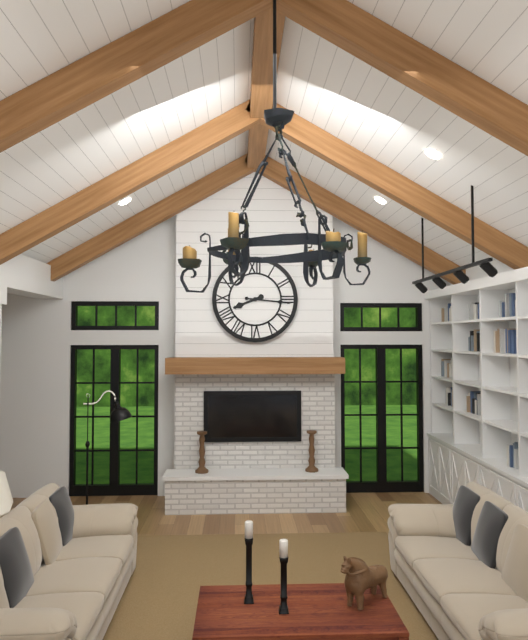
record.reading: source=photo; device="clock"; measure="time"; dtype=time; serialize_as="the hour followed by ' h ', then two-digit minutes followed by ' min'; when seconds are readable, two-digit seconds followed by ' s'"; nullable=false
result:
8 h 16 min
